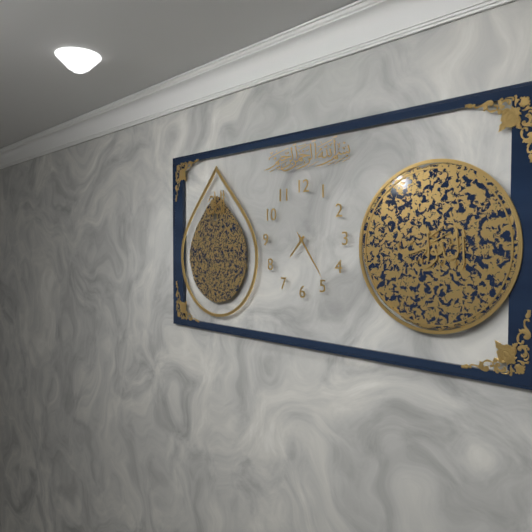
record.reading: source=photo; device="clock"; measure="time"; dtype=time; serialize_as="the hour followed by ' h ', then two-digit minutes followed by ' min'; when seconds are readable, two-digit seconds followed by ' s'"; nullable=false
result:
7 h 24 min 24 s
